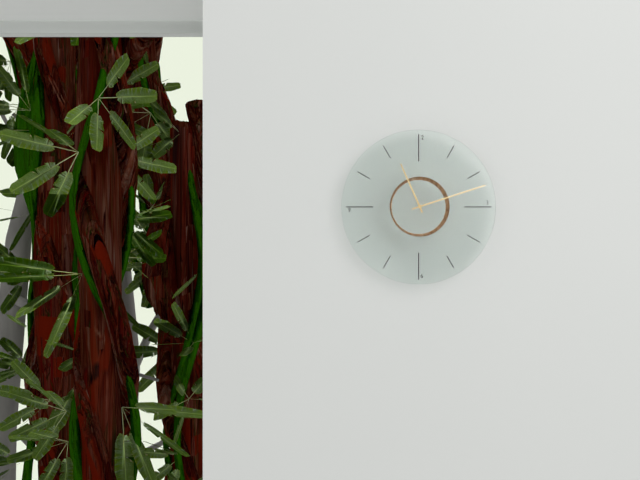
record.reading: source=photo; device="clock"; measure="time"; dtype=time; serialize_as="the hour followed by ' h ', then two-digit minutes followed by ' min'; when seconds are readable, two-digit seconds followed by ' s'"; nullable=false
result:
11 h 12 min
